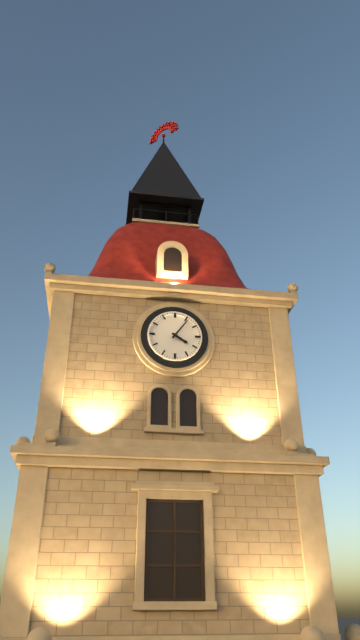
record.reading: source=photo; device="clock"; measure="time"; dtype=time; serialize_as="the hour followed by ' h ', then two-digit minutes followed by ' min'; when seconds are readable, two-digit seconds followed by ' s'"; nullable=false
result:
4 h 06 min
